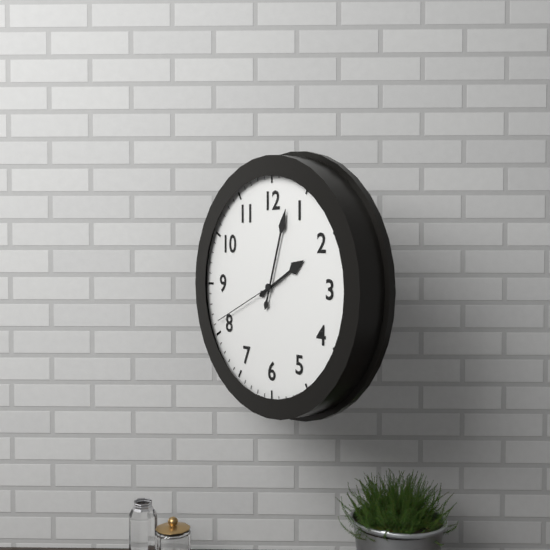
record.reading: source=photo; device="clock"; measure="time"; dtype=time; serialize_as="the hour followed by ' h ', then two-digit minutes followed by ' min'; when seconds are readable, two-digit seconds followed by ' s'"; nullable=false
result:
2 h 03 min 41 s
